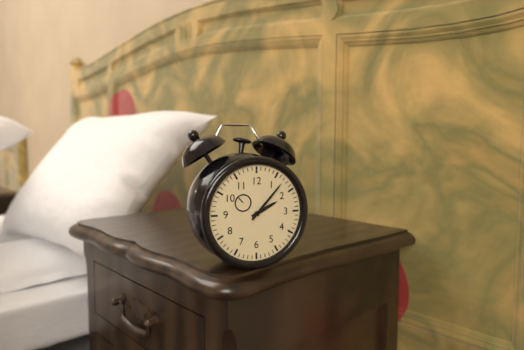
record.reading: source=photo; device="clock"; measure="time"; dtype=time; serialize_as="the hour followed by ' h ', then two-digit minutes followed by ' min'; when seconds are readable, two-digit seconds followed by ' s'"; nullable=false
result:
2 h 07 min
